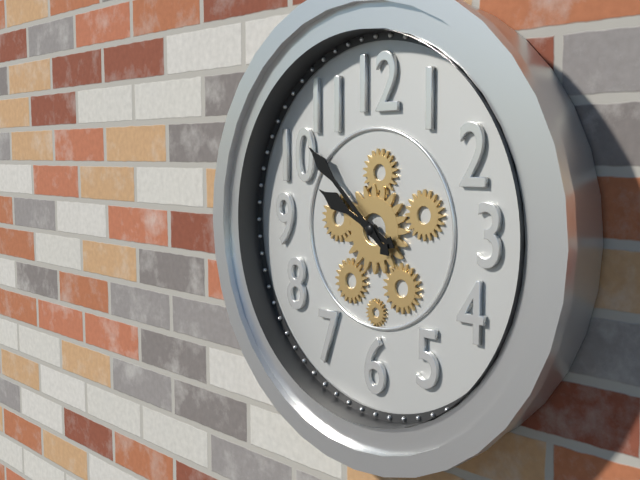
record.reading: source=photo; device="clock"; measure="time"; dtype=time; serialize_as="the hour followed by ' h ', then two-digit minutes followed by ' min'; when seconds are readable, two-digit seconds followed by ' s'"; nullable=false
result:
9 h 52 min
